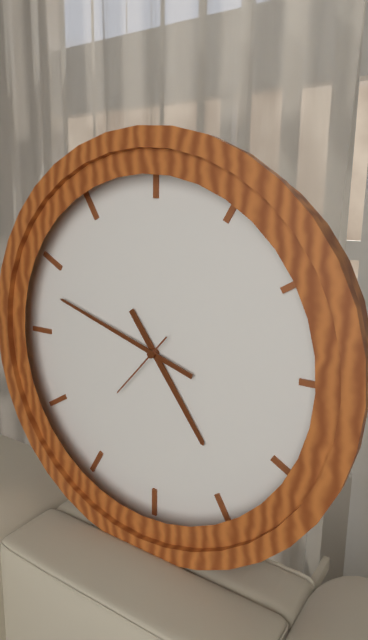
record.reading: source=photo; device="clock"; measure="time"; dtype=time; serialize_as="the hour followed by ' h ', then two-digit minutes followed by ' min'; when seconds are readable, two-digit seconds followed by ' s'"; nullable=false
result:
4 h 48 min 37 s
